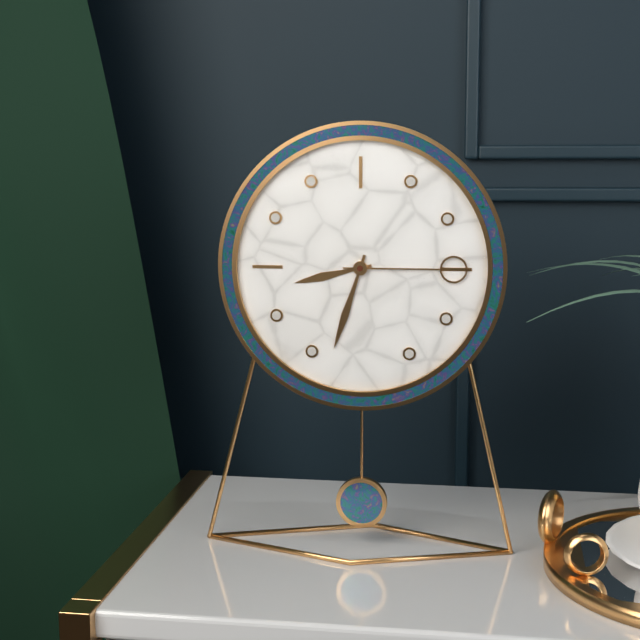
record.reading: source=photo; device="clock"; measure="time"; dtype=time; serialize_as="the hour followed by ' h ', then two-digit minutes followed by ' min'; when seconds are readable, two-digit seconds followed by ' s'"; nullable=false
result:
8 h 33 min 15 s
